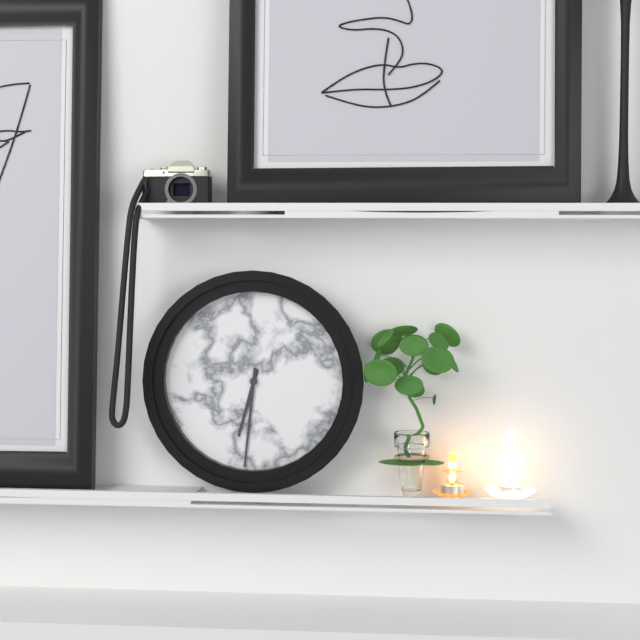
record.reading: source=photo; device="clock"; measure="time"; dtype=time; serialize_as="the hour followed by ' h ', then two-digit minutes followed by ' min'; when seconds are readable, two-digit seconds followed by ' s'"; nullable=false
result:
6 h 31 min
